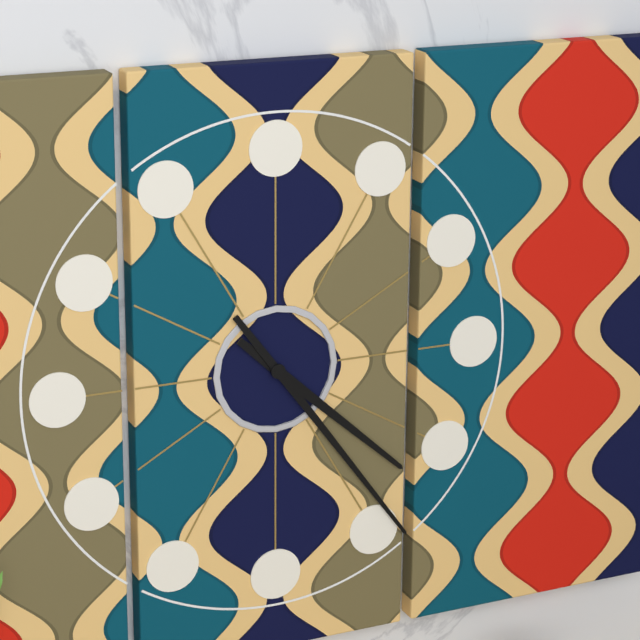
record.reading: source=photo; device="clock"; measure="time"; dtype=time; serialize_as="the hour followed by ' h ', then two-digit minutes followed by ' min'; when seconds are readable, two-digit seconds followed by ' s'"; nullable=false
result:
4 h 24 min
